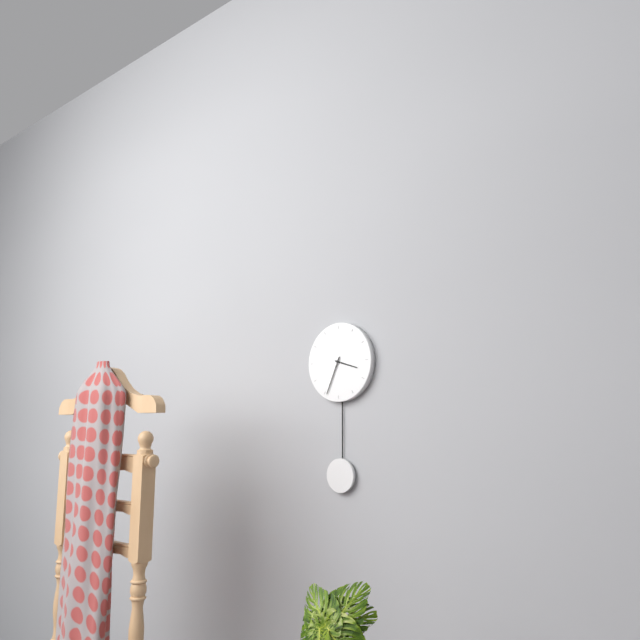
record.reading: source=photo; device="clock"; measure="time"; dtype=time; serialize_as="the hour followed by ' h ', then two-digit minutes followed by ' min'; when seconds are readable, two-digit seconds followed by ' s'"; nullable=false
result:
3 h 34 min
